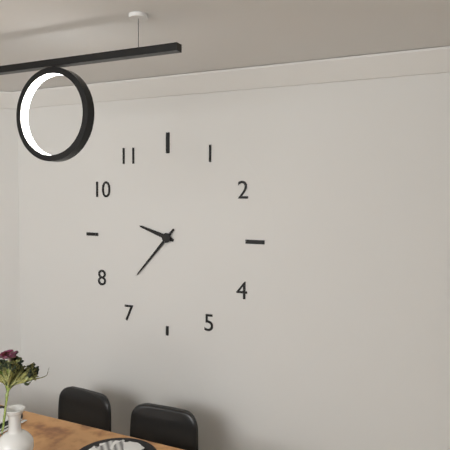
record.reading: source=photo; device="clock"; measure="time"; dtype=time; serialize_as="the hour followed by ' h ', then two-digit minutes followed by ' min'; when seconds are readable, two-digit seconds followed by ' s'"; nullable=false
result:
9 h 37 min
